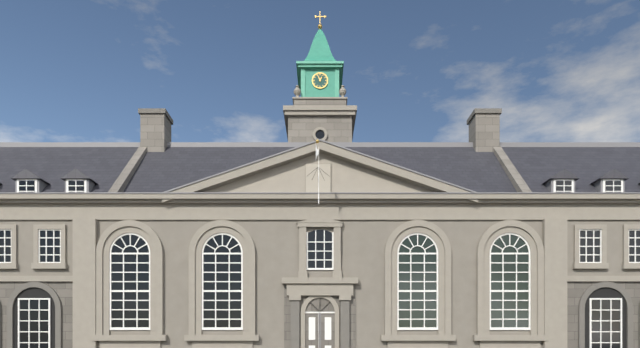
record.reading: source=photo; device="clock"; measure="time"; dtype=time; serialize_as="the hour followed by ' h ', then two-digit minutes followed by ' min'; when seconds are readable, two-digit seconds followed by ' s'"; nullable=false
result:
12 h 56 min
